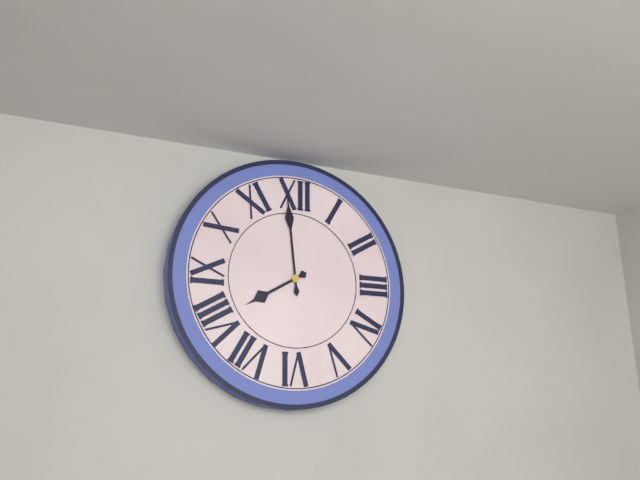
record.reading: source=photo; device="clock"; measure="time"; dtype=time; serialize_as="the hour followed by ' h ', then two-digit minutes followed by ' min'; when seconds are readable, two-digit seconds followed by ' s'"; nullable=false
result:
7 h 59 min
